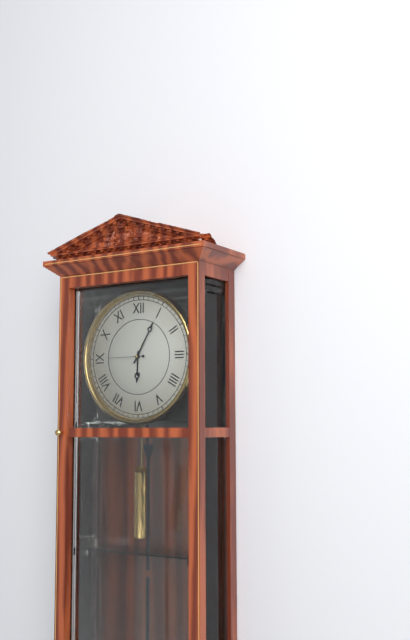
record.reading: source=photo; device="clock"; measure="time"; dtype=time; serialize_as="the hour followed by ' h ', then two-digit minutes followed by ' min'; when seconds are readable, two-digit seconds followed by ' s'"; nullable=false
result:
6 h 05 min 45 s
